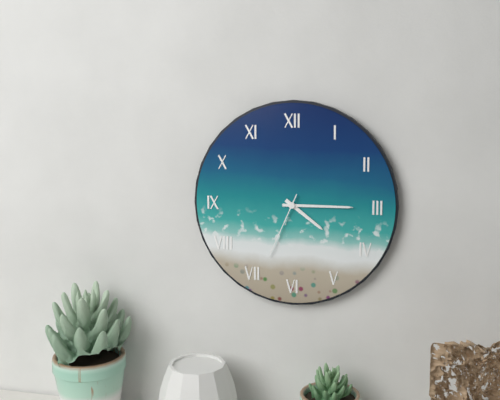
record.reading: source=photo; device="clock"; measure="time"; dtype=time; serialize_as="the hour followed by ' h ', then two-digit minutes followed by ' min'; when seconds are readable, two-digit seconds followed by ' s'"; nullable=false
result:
4 h 15 min 34 s
